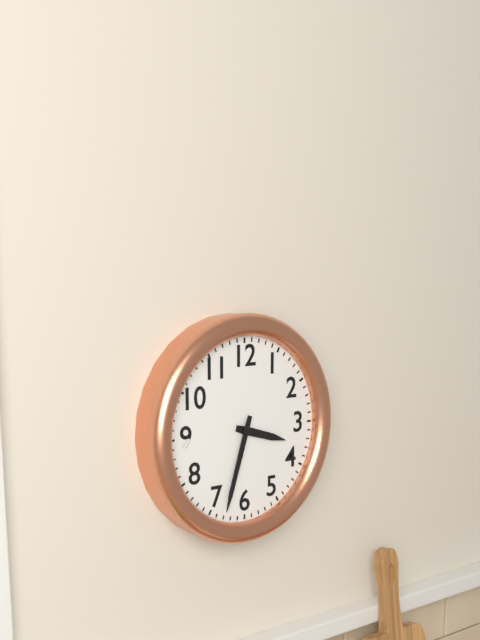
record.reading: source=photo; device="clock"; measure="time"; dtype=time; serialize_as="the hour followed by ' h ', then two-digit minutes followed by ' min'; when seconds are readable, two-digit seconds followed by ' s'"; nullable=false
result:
3 h 33 min
